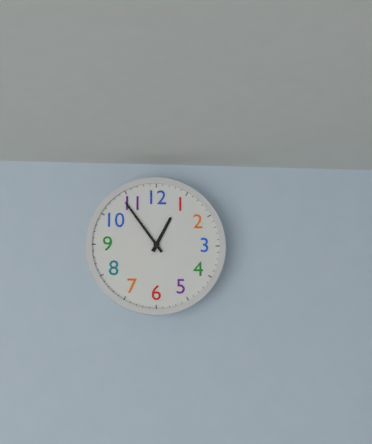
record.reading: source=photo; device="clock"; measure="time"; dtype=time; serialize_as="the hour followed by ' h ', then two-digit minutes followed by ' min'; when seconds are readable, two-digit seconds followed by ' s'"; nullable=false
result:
12 h 54 min
